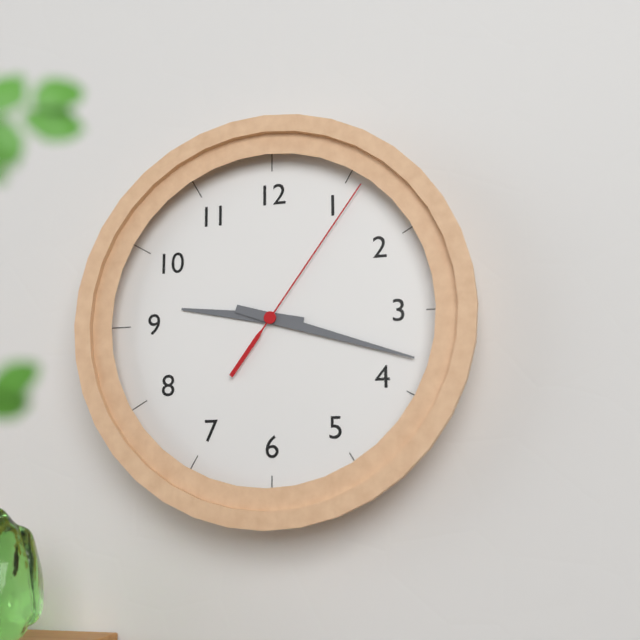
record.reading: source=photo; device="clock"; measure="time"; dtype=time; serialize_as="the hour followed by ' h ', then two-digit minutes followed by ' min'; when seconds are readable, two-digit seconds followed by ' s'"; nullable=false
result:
9 h 18 min 06 s
